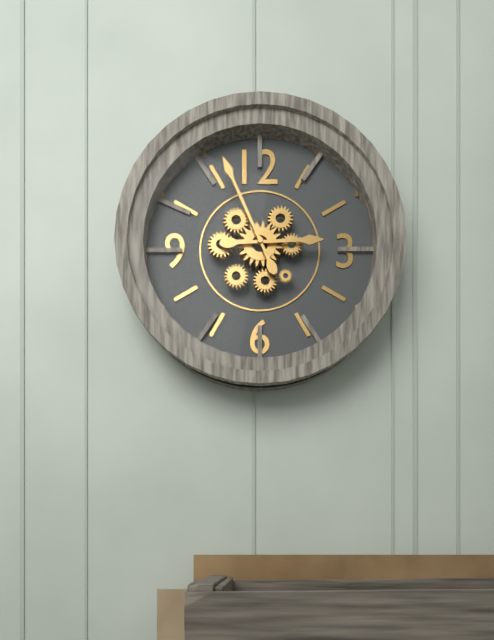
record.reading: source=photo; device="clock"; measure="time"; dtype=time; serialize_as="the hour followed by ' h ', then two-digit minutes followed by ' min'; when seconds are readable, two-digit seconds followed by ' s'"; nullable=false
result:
2 h 56 min
